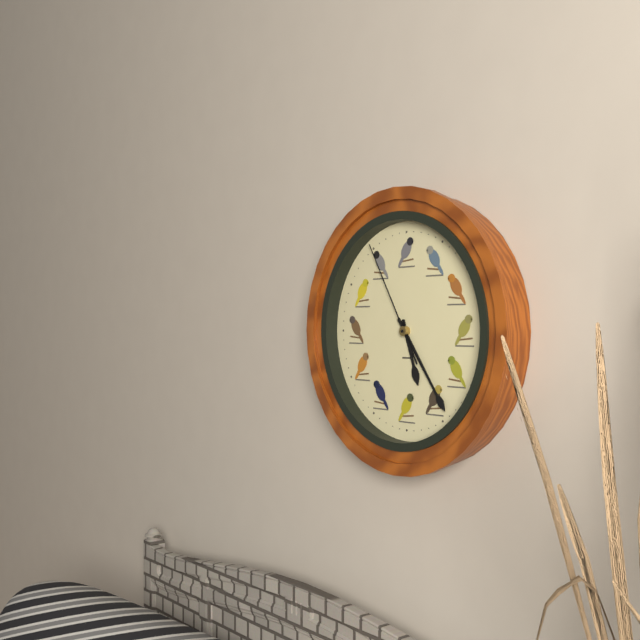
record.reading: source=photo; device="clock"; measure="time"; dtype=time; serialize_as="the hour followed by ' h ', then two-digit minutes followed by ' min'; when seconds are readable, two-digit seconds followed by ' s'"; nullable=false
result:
5 h 24 min 55 s
